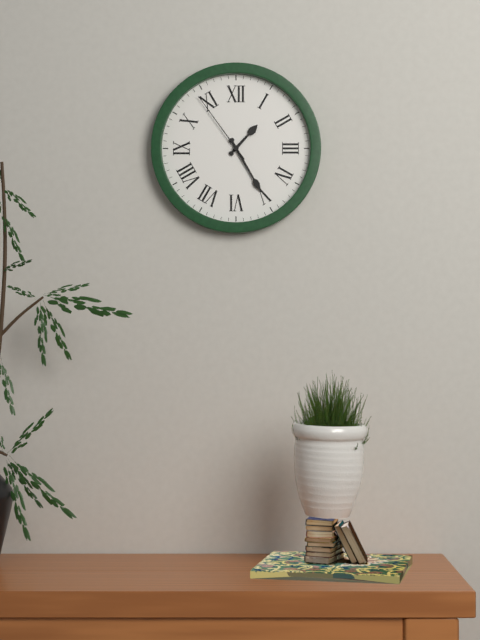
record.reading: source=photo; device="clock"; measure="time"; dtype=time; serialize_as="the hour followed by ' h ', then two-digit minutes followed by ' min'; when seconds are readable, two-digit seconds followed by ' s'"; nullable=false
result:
1 h 25 min 54 s
